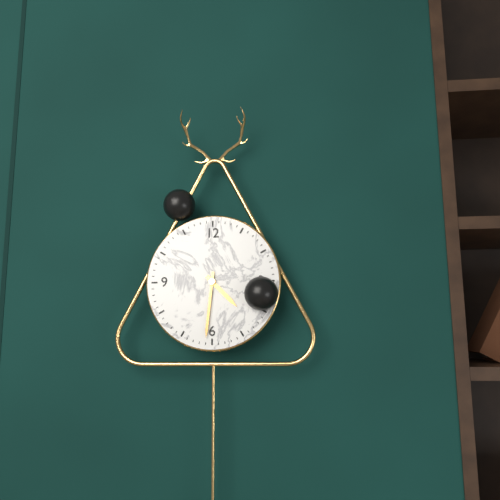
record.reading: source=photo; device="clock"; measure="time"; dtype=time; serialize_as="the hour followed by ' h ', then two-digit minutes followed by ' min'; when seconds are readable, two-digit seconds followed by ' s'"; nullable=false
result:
4 h 31 min
